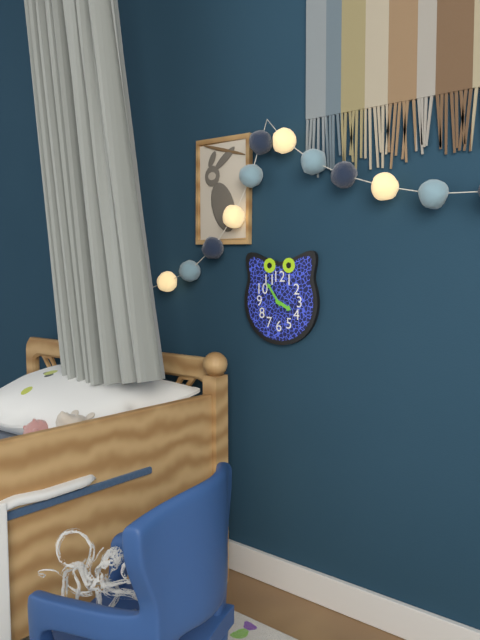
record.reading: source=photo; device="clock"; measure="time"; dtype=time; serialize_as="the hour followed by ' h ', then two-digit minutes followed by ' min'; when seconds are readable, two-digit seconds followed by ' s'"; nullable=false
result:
3 h 54 min
